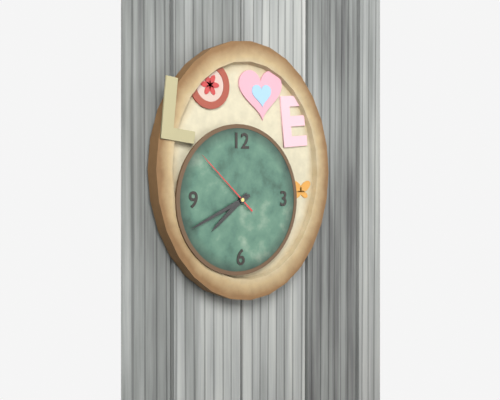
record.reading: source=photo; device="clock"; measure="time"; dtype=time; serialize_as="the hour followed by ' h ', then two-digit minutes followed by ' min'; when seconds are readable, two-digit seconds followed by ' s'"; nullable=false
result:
7 h 41 min 52 s
